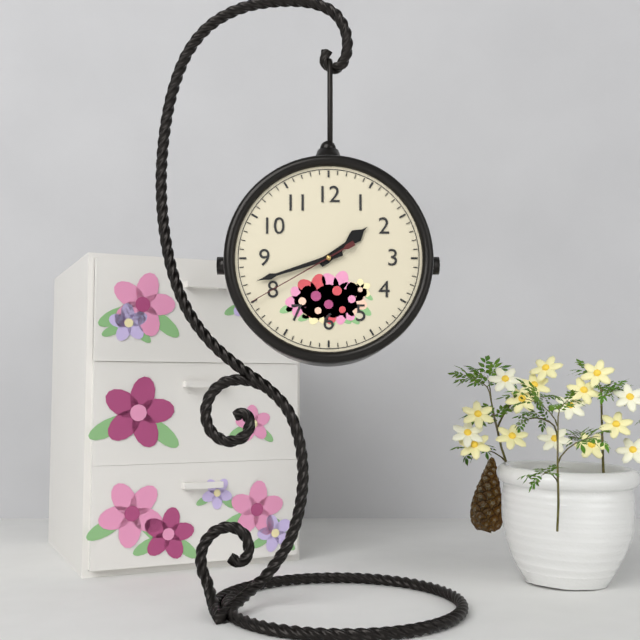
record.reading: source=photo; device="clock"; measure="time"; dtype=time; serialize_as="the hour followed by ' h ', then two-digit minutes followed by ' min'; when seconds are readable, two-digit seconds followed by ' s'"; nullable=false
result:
1 h 42 min 40 s
